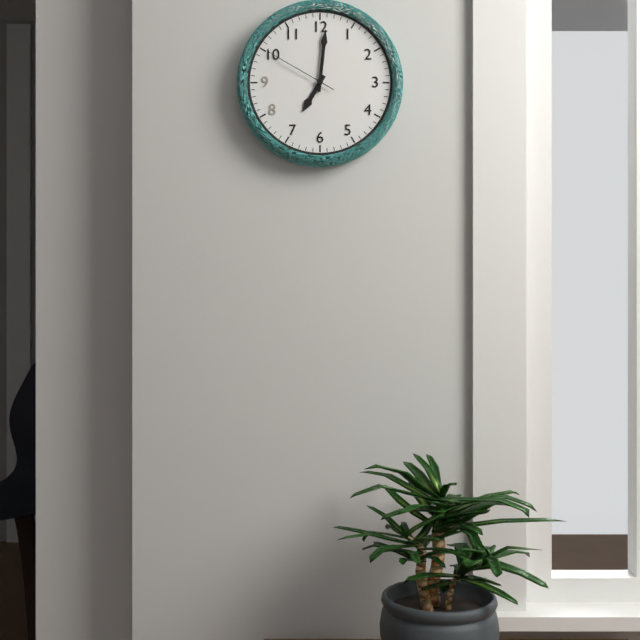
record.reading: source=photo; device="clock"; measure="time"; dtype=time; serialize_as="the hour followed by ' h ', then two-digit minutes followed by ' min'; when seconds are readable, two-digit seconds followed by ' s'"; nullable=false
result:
7 h 01 min 50 s
